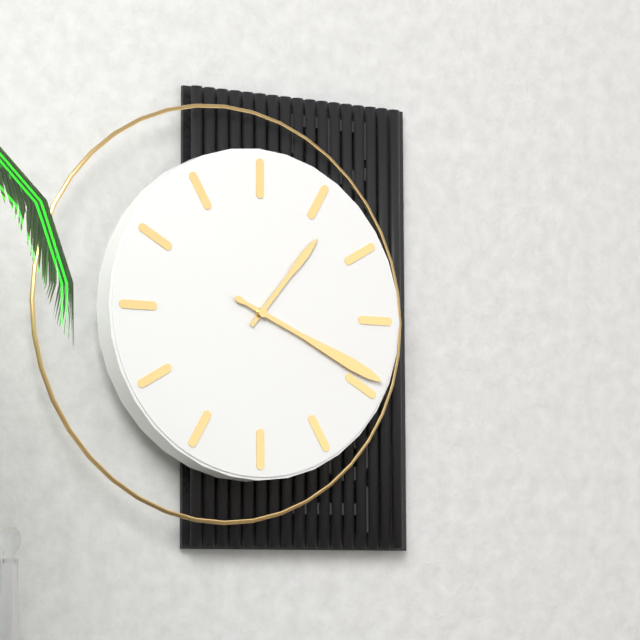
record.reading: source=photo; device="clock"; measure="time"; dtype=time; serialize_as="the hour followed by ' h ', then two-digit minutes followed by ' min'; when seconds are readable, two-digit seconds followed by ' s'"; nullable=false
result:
1 h 19 min
